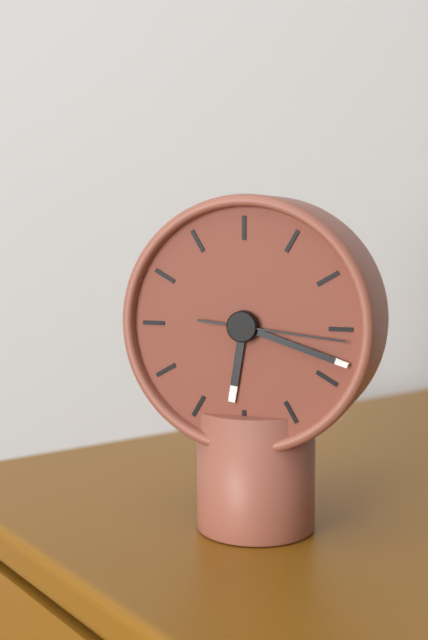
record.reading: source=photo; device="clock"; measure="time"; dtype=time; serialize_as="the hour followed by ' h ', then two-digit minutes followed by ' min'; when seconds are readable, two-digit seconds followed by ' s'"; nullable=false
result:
6 h 18 min 16 s
